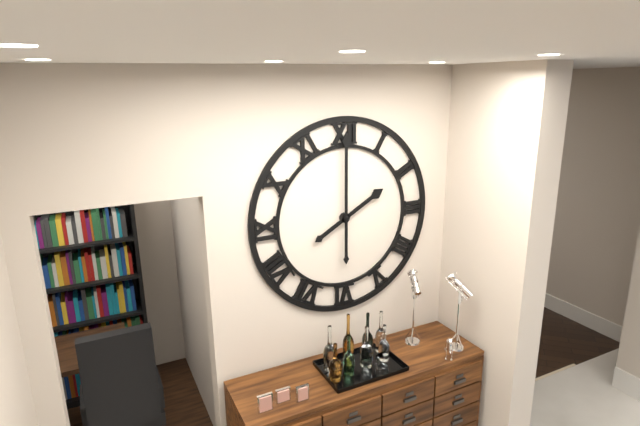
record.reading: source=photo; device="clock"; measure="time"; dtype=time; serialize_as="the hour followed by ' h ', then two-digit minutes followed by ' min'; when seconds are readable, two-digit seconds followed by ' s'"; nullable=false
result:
2 h 00 min
